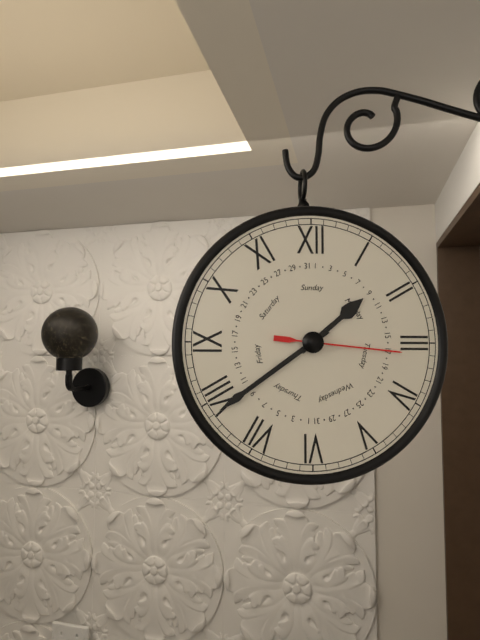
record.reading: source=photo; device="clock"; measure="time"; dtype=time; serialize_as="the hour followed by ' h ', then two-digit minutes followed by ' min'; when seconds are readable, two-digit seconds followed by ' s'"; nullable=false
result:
1 h 39 min 16 s
